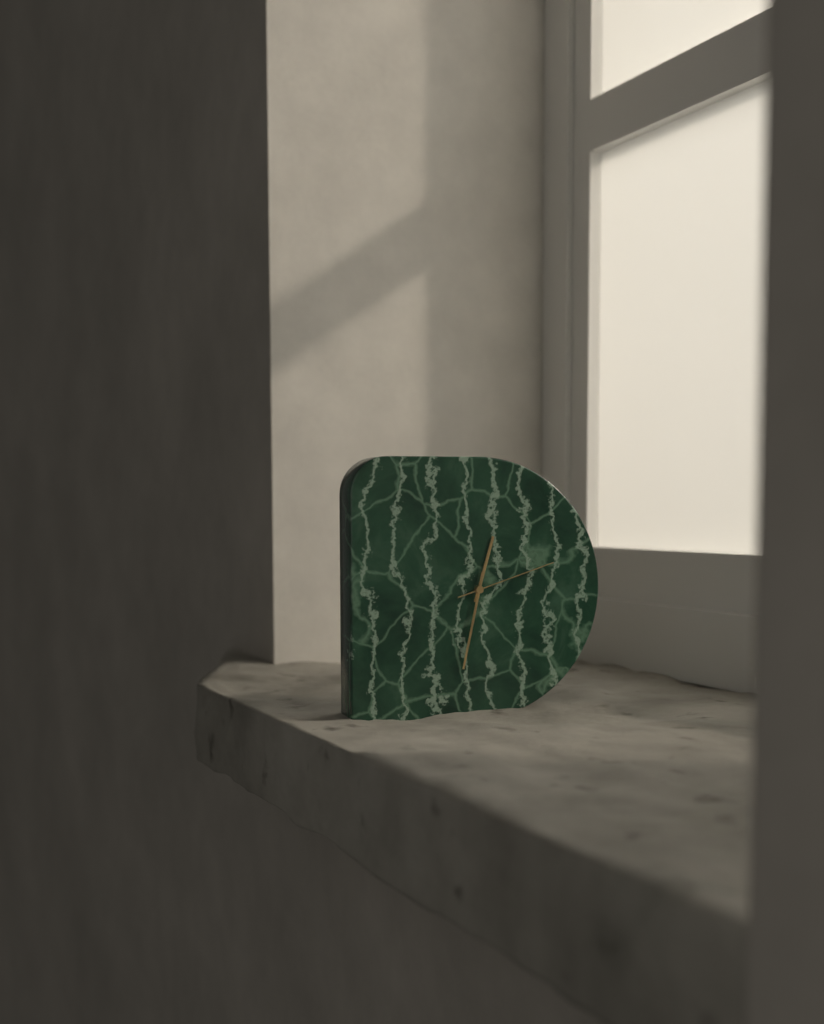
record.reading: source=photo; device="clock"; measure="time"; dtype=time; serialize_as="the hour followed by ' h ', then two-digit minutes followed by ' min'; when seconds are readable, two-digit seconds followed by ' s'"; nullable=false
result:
12 h 32 min 12 s
